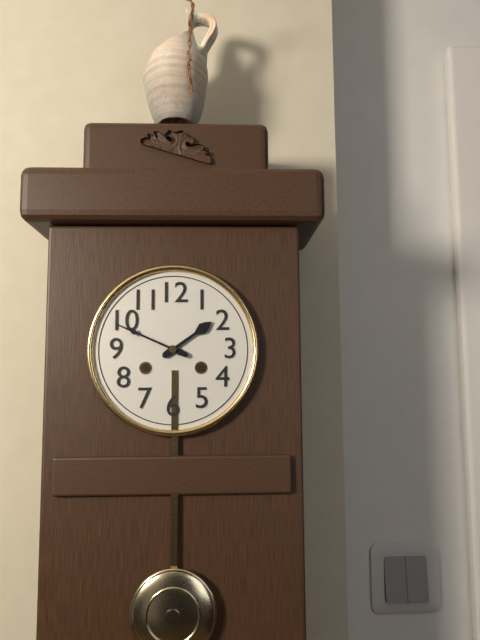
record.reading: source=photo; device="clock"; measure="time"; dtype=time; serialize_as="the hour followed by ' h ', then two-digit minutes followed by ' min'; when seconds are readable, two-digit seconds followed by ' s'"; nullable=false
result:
1 h 49 min
